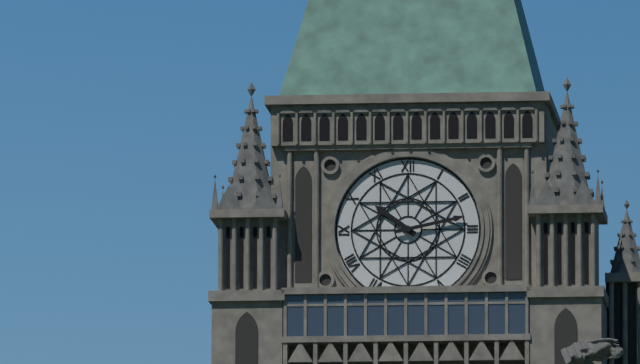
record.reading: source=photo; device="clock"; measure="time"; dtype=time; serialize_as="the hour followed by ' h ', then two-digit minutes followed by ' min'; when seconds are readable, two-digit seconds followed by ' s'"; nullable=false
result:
10 h 13 min
